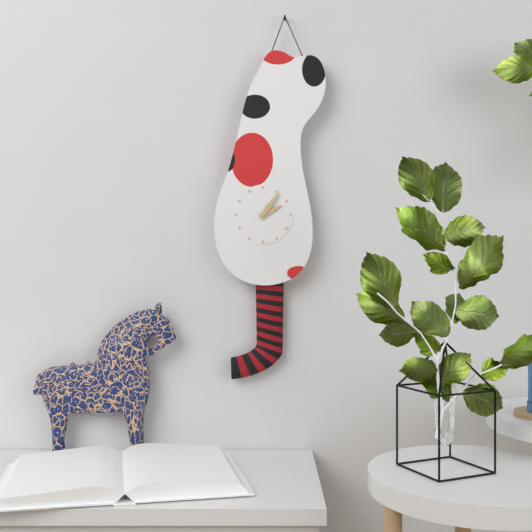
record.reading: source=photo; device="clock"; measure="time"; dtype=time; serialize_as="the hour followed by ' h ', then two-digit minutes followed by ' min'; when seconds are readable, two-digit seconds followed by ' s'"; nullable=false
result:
2 h 06 min
